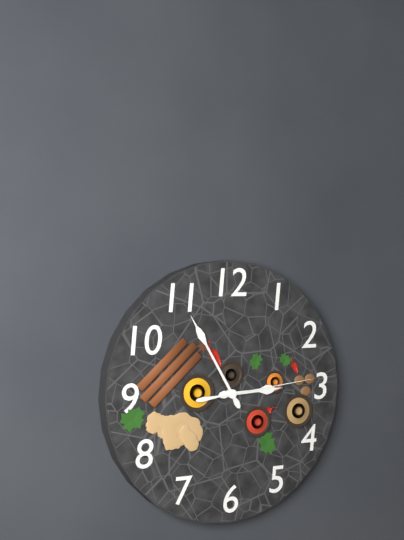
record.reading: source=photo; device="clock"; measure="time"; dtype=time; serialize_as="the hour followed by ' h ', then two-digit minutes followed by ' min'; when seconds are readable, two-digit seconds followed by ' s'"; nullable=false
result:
2 h 55 min 14 s
